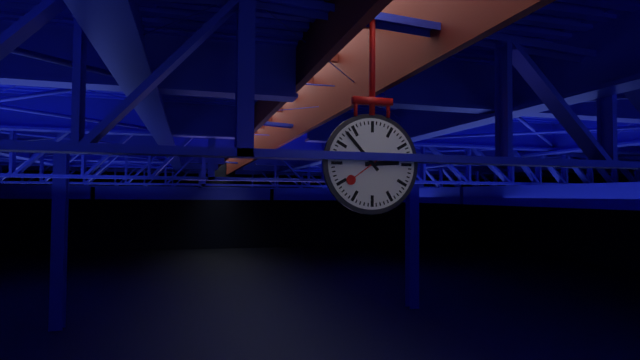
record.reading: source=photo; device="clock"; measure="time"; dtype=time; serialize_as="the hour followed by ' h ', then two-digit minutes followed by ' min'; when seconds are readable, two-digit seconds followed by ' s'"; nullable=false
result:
2 h 53 min
